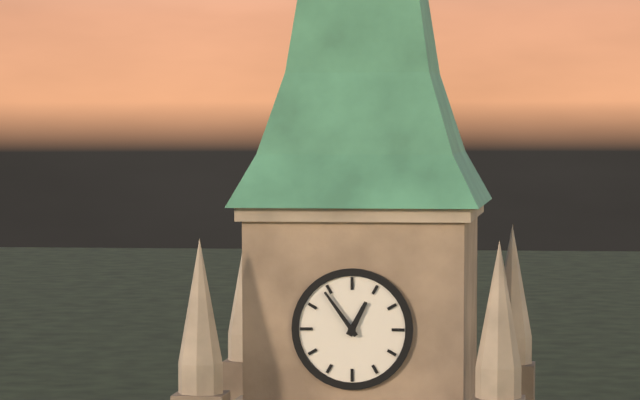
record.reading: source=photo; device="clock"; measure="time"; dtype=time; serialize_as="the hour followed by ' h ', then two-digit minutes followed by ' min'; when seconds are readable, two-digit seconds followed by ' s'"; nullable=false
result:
12 h 54 min
